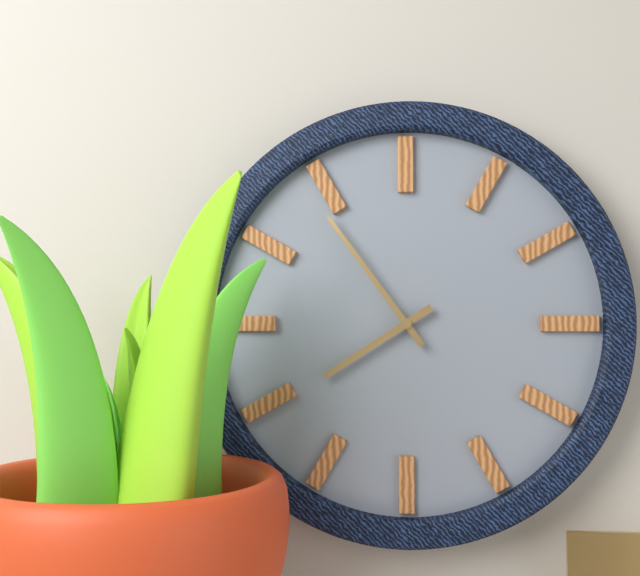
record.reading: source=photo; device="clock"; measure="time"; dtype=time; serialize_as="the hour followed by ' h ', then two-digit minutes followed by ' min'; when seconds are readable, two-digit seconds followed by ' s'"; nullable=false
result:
7 h 54 min
